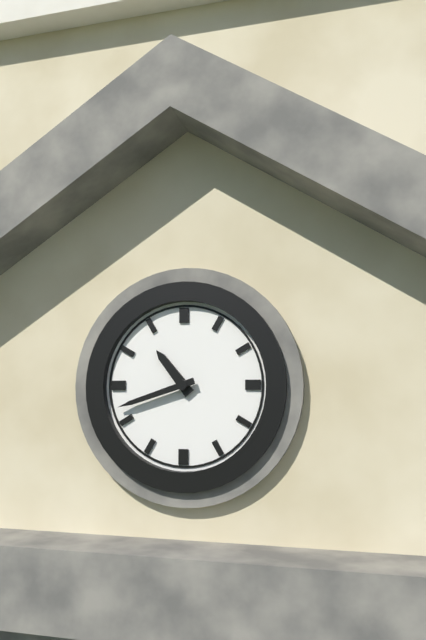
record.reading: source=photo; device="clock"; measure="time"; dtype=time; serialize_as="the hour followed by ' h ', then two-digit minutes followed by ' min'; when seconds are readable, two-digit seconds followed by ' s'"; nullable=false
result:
10 h 42 min
